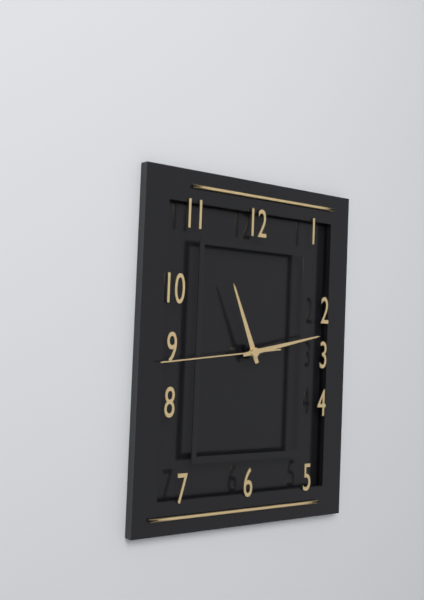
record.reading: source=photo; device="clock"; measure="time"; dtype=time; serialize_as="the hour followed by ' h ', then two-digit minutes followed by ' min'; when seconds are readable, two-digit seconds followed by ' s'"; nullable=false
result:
11 h 13 min 44 s
